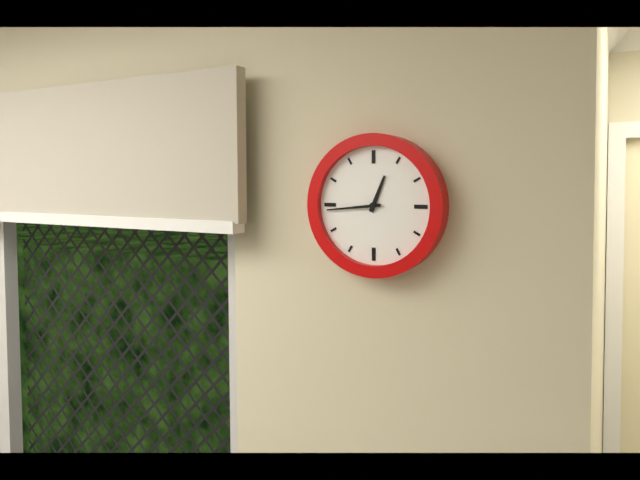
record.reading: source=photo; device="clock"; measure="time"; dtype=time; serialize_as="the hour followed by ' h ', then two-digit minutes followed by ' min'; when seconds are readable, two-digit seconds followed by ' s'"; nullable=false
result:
12 h 44 min
